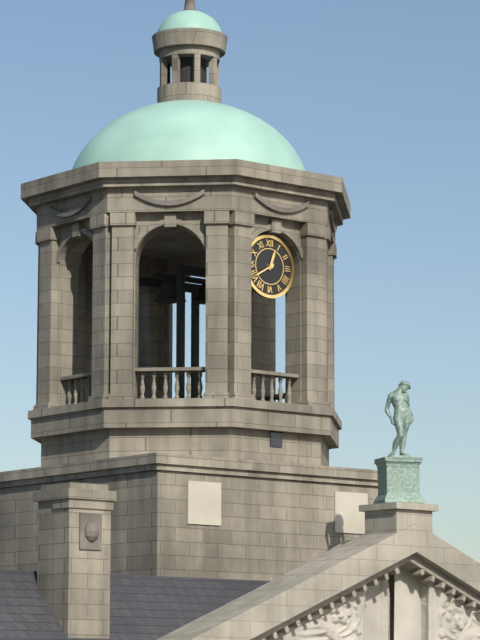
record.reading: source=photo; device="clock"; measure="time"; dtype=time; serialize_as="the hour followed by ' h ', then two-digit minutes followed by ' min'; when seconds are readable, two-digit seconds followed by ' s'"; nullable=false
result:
12 h 40 min
